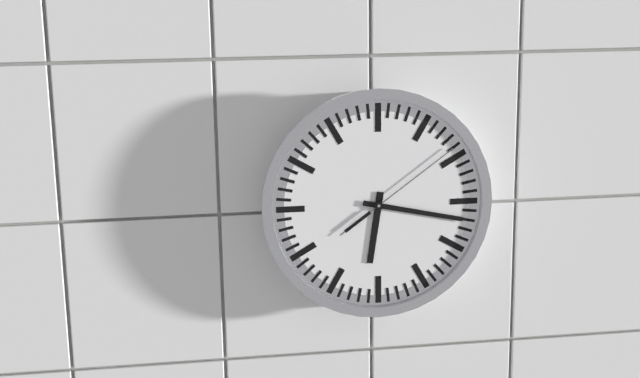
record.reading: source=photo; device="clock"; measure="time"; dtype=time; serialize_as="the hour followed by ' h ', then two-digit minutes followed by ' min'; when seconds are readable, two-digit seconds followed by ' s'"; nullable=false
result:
6 h 17 min 09 s
